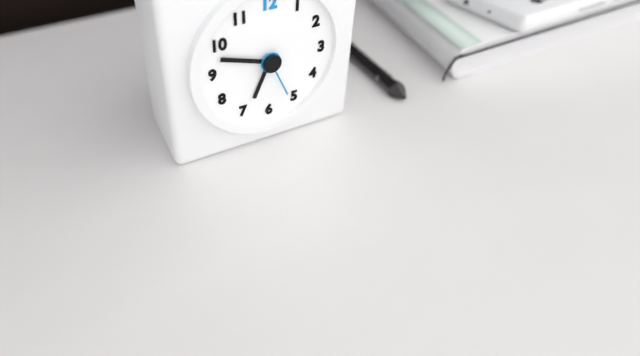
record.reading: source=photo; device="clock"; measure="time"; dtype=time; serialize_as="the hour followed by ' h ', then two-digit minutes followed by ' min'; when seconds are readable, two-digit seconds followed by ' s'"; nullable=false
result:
6 h 48 min
